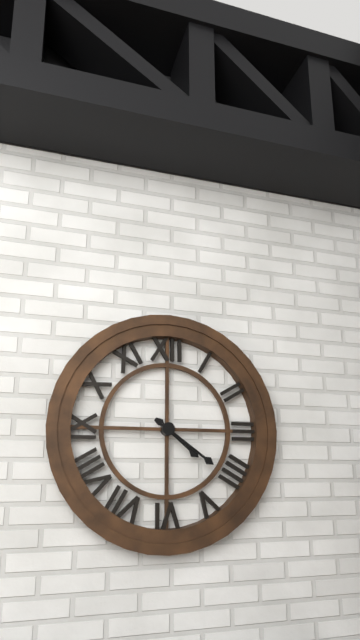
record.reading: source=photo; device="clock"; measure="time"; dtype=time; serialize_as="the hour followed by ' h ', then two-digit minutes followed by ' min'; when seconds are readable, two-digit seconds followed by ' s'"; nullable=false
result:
4 h 21 min
